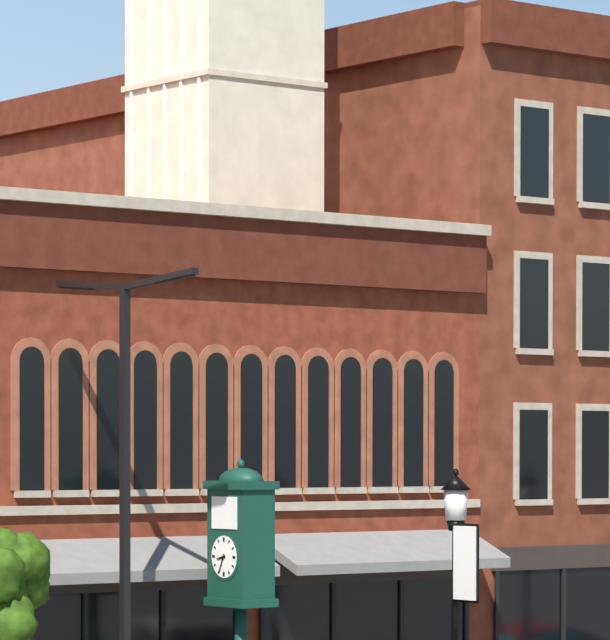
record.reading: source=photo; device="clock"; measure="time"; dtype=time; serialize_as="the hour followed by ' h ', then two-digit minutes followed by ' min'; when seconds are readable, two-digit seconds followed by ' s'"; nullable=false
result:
8 h 34 min
